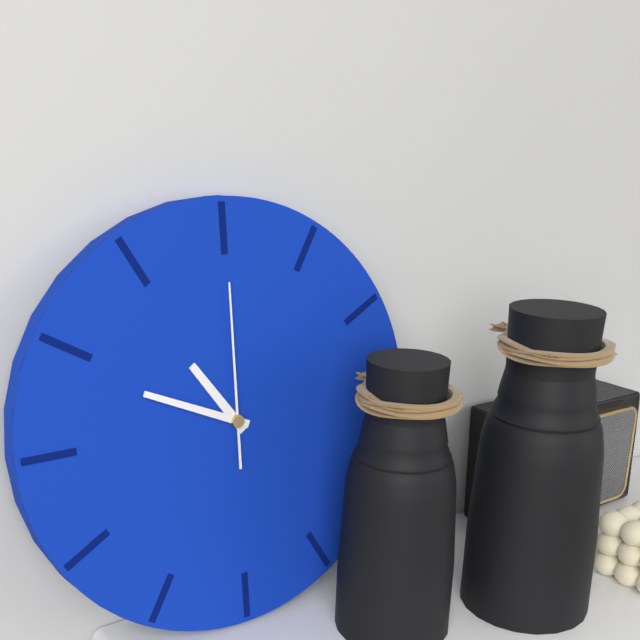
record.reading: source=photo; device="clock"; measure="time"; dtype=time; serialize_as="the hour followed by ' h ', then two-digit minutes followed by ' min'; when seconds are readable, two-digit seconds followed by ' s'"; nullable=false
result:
10 h 49 min 00 s
